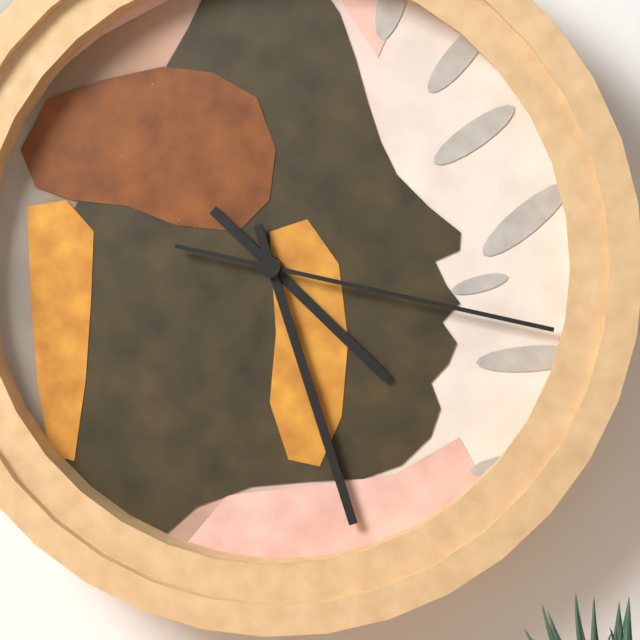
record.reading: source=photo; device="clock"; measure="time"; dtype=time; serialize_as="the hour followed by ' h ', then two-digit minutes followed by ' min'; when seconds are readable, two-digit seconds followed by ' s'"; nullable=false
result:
4 h 27 min 17 s
